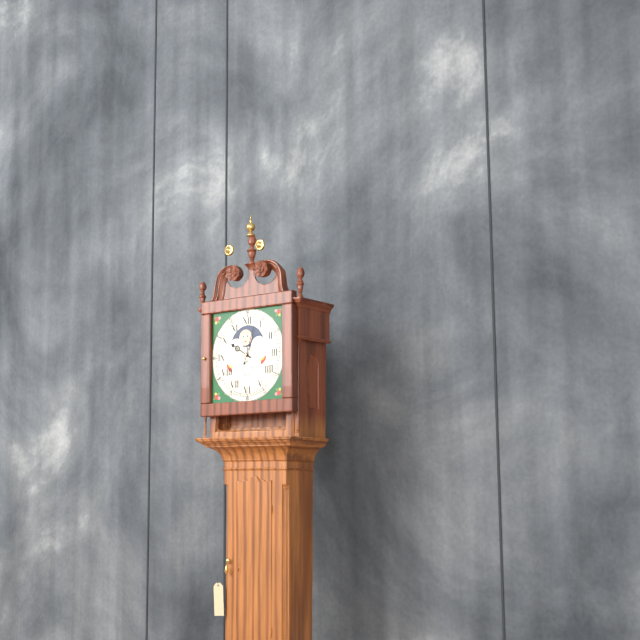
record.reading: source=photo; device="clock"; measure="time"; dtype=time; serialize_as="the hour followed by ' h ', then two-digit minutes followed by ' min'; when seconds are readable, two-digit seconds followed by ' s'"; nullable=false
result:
10 h 03 min
